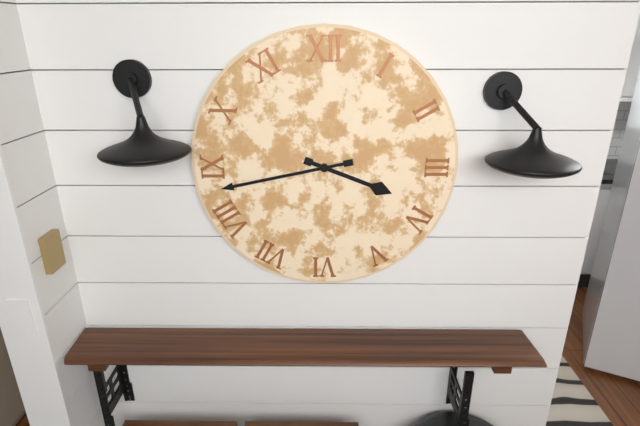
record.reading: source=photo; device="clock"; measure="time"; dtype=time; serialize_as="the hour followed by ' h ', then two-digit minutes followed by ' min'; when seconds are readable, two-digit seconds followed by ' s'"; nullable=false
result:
3 h 43 min
